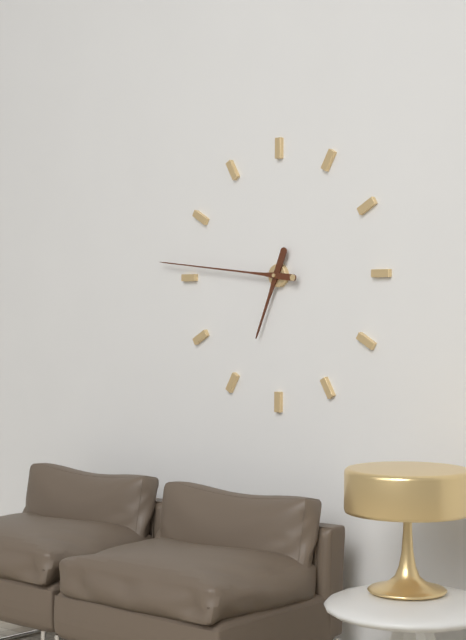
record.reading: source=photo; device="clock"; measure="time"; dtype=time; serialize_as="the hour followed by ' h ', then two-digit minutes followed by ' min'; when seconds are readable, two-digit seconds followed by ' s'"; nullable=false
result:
6 h 46 min
